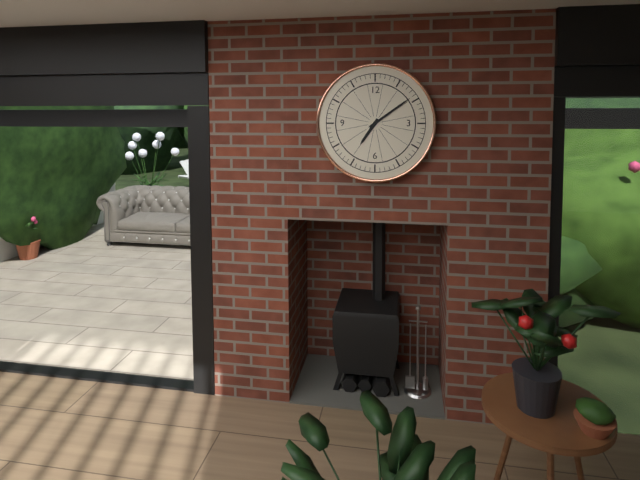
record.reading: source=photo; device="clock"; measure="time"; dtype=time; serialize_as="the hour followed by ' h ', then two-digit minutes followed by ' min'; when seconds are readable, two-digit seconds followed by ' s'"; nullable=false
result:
7 h 09 min
